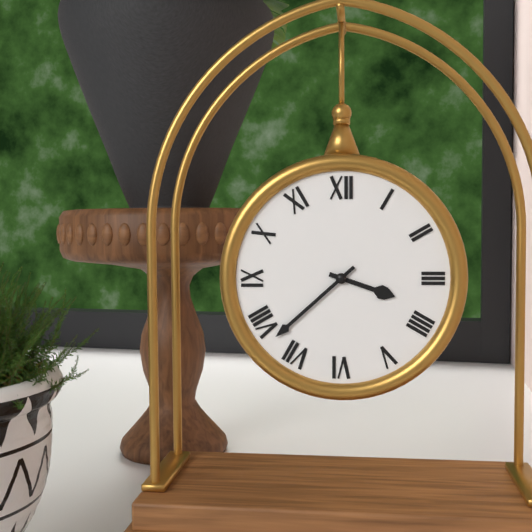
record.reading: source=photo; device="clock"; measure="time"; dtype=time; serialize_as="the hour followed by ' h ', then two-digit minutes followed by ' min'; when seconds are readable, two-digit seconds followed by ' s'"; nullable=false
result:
3 h 38 min
